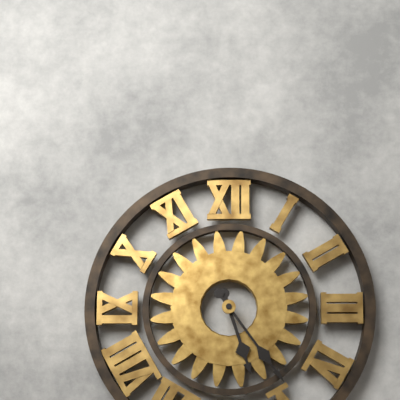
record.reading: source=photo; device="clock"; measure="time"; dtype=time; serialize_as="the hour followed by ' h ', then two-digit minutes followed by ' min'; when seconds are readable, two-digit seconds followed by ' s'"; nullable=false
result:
5 h 24 min
